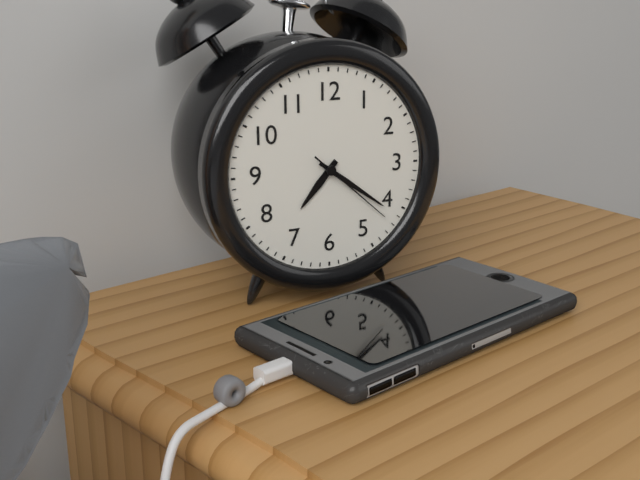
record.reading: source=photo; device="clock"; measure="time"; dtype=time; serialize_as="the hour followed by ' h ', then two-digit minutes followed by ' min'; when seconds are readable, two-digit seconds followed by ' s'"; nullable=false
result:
7 h 21 min 22 s
